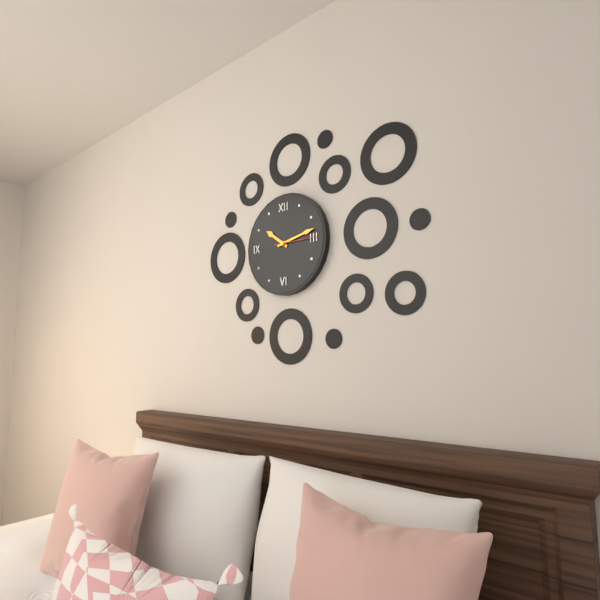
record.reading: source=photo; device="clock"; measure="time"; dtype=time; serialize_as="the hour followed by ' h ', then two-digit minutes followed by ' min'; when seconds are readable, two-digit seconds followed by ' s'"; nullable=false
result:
10 h 13 min
